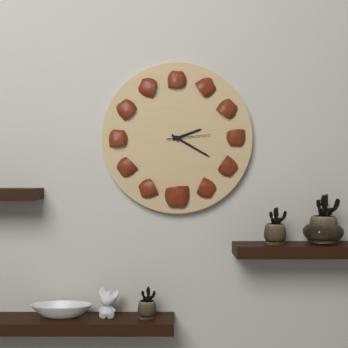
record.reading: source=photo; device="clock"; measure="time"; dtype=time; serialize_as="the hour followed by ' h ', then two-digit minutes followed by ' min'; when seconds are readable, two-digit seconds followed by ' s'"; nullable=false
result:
2 h 20 min
